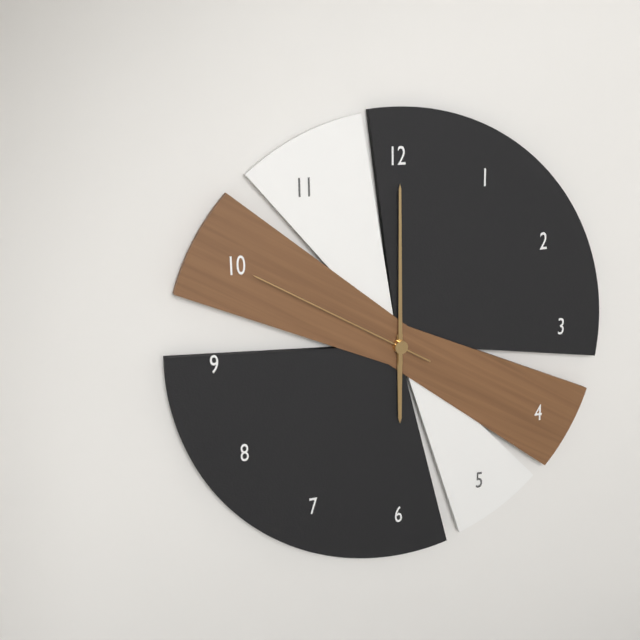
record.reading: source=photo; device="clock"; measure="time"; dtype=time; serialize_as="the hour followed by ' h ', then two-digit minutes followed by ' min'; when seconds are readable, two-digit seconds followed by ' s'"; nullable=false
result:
6 h 00 min 50 s
